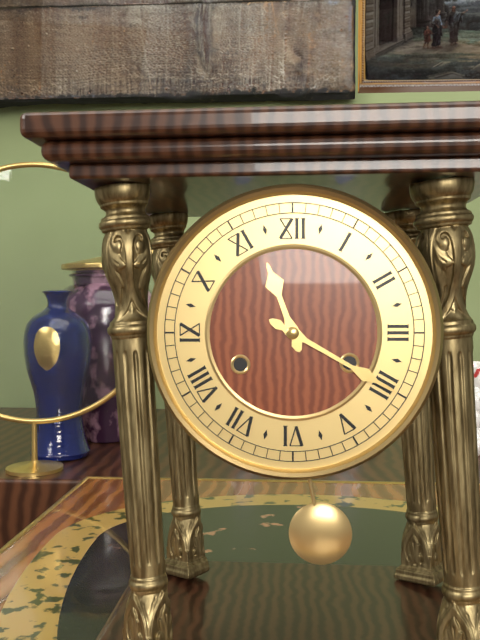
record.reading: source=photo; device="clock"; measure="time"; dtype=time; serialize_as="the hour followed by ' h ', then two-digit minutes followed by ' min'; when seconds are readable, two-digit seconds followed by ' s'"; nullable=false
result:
11 h 20 min
